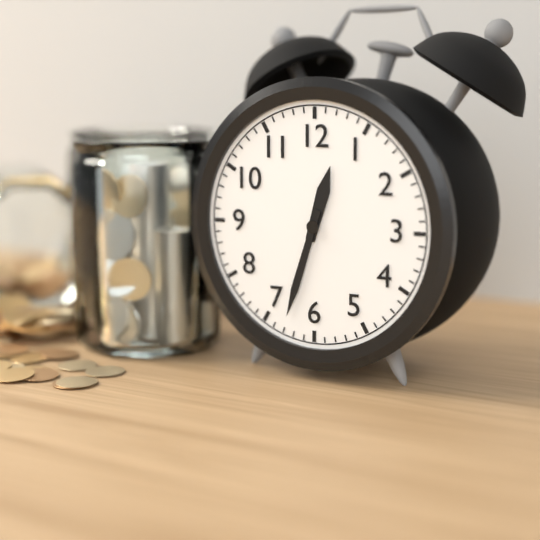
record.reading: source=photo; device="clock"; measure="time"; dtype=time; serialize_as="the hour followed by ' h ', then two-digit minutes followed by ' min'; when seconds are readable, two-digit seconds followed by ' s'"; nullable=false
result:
12 h 33 min
